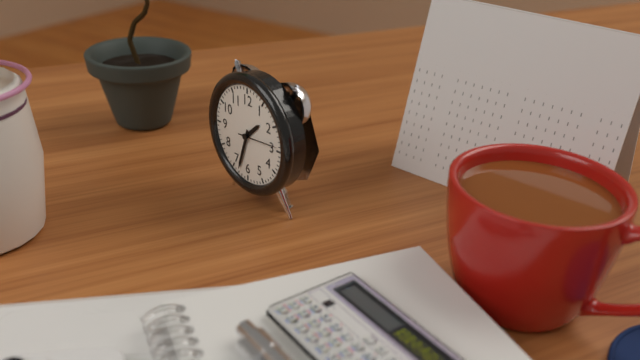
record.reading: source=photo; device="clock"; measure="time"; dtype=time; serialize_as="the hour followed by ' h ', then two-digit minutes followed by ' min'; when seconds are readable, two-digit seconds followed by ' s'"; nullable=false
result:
1 h 33 min
